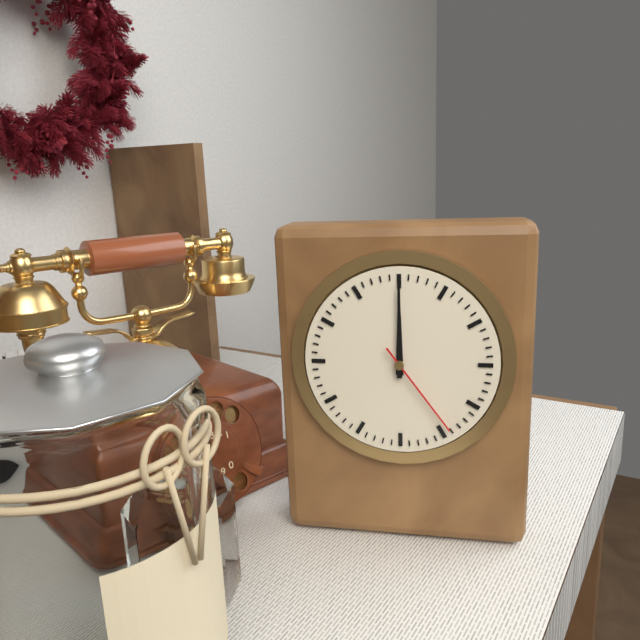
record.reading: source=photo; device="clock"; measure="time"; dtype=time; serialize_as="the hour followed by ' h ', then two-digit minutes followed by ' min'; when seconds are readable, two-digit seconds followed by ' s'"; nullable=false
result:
12 h 00 min 24 s
